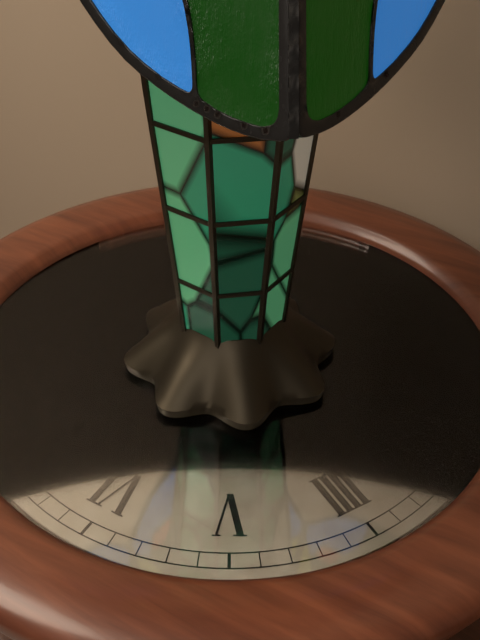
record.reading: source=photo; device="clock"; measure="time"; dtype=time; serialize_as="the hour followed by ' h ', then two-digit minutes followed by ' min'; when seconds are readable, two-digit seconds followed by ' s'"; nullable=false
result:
6 h 07 min
